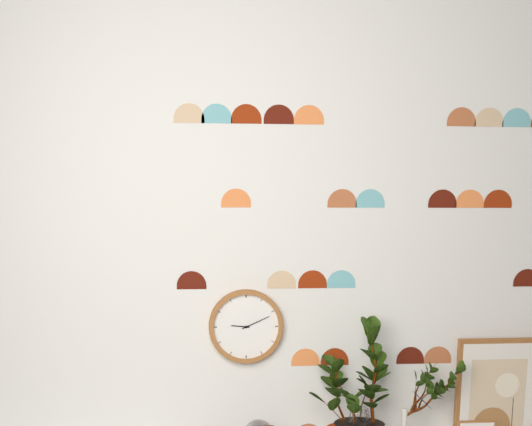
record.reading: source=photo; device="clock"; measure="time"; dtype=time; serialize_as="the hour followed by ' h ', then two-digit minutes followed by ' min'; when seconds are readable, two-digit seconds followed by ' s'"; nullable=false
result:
9 h 11 min
